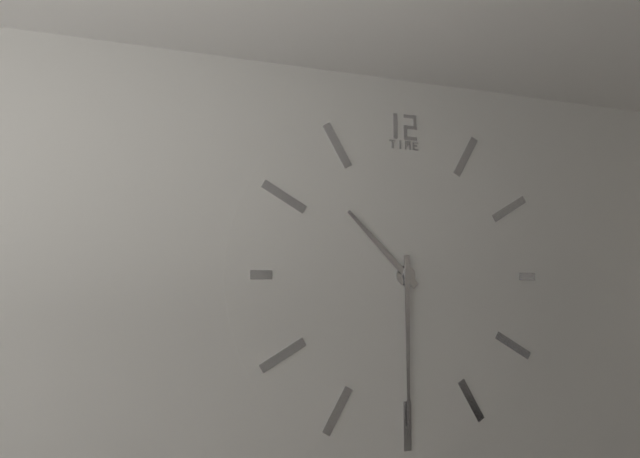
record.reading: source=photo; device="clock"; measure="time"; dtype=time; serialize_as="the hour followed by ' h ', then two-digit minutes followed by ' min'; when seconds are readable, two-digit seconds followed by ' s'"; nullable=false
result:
10 h 30 min
